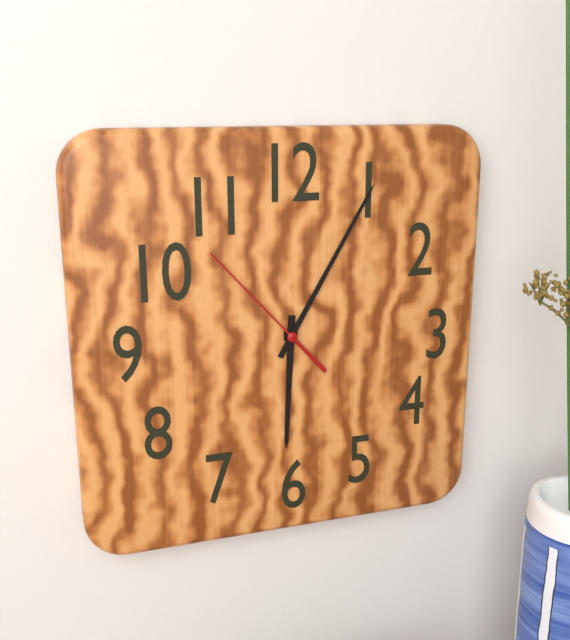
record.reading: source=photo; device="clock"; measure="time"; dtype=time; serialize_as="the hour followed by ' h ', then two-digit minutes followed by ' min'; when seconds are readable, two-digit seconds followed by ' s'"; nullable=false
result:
6 h 05 min 53 s
